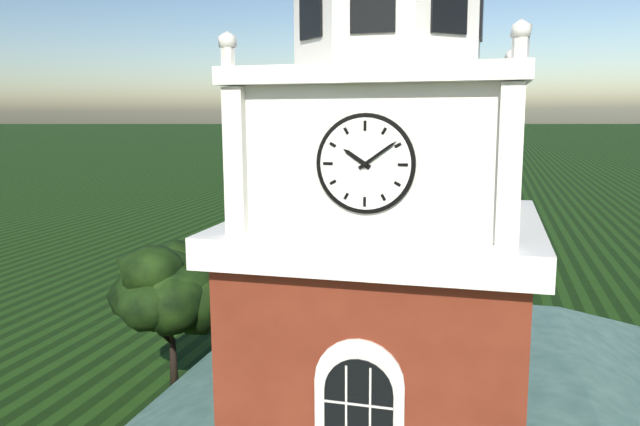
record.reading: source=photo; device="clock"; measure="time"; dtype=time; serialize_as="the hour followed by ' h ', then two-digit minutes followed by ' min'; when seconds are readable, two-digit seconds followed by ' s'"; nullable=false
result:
10 h 09 min
